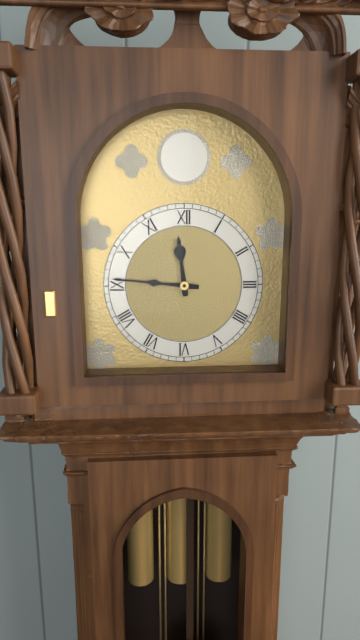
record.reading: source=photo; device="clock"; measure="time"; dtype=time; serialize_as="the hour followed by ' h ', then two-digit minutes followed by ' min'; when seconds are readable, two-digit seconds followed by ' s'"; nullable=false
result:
11 h 46 min
